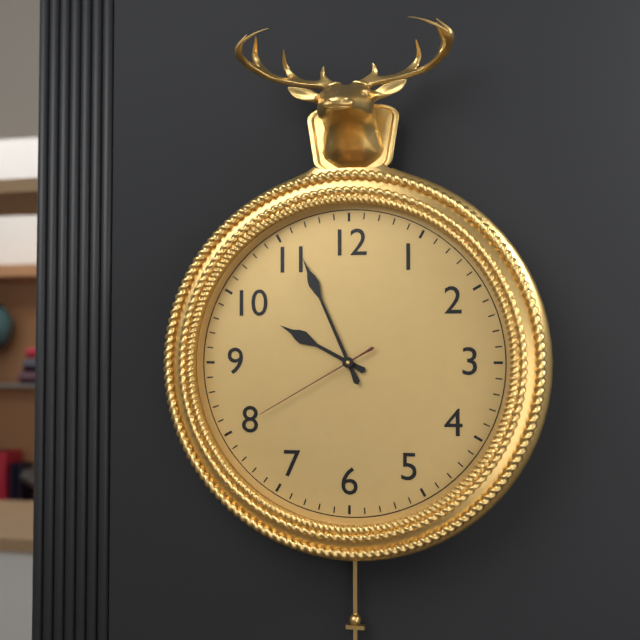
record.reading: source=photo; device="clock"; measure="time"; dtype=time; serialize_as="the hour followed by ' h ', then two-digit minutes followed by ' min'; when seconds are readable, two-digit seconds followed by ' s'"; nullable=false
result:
9 h 56 min 40 s
